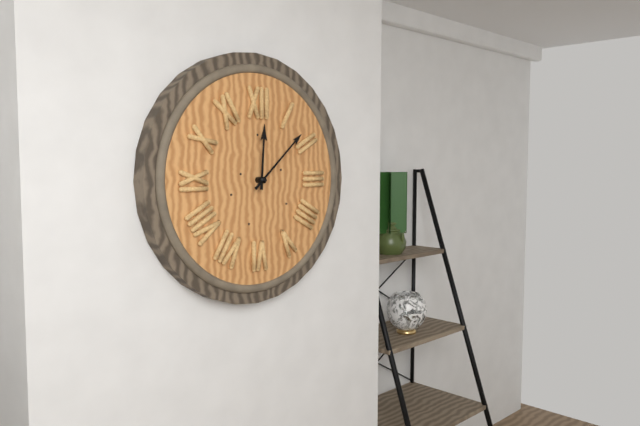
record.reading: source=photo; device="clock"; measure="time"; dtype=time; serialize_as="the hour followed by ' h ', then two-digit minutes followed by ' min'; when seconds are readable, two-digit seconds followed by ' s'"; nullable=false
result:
12 h 08 min
